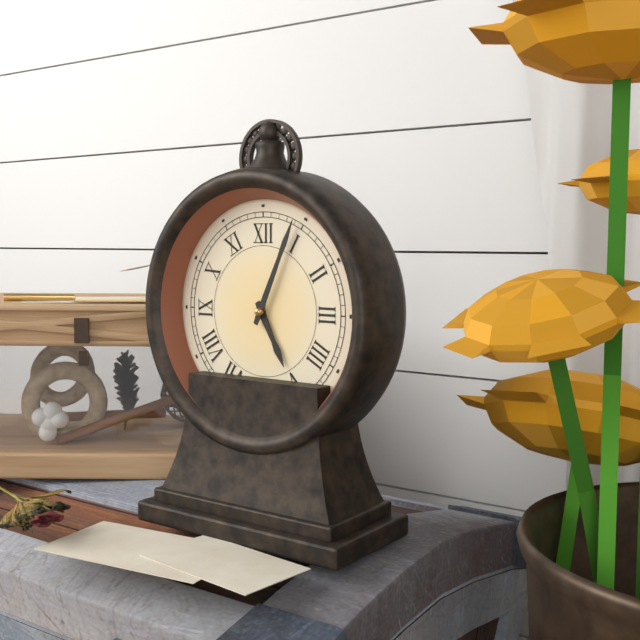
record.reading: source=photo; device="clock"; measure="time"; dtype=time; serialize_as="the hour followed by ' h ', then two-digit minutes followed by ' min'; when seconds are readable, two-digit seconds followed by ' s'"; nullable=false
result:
5 h 04 min
